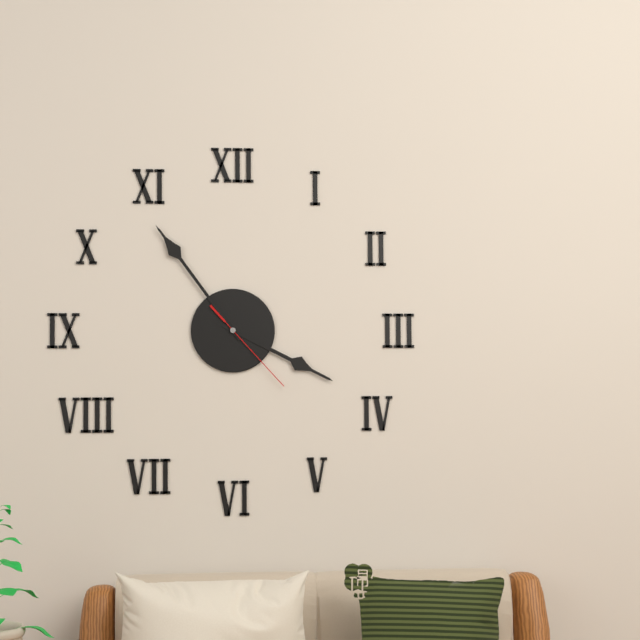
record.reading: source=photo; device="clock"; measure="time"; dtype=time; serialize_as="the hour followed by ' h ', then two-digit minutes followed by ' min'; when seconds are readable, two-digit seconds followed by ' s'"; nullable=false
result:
3 h 54 min 23 s
